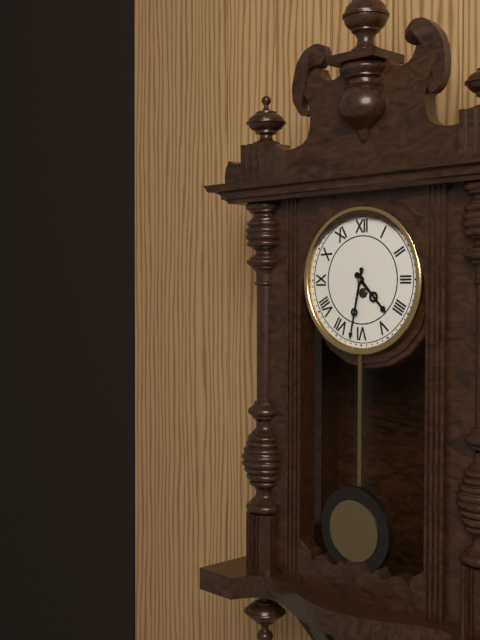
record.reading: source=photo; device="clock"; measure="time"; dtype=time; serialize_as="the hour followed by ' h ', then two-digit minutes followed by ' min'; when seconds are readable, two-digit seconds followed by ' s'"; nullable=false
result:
4 h 32 min
